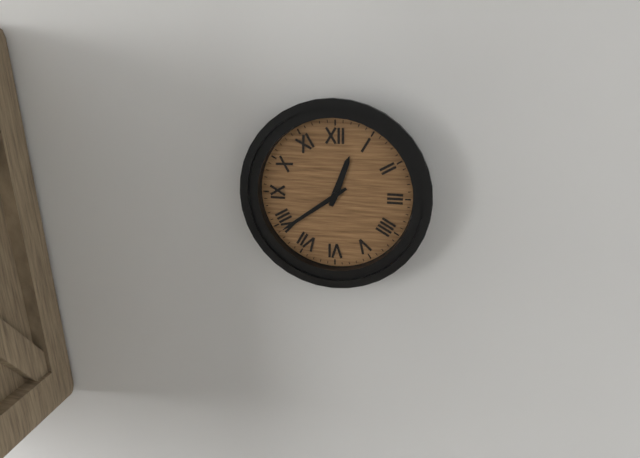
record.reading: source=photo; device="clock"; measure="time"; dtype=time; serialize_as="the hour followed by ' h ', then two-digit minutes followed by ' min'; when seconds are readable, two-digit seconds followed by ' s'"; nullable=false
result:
12 h 39 min
